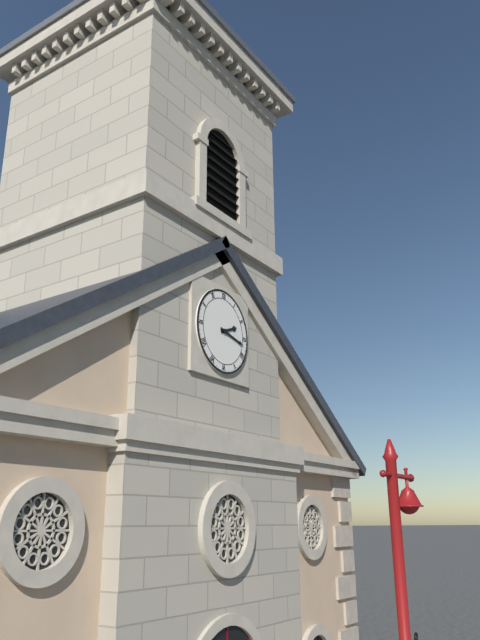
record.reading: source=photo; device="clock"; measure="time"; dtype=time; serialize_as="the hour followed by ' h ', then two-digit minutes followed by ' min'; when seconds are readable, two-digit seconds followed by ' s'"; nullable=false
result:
2 h 17 min
